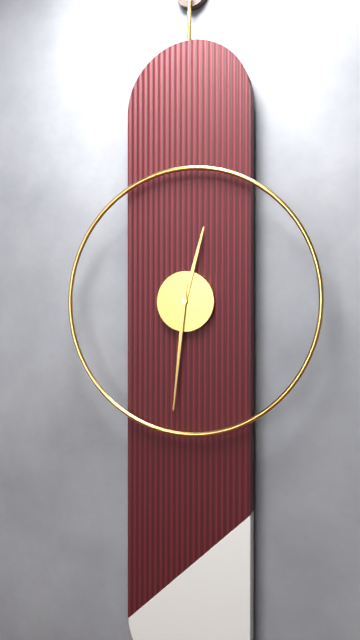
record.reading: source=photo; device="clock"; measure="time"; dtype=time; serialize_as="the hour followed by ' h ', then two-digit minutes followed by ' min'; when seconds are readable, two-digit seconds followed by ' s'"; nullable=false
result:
12 h 31 min
